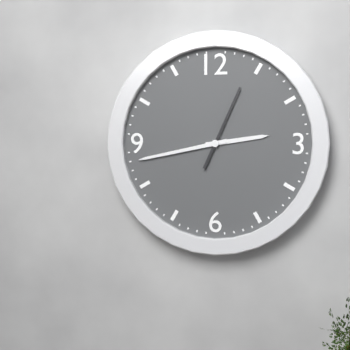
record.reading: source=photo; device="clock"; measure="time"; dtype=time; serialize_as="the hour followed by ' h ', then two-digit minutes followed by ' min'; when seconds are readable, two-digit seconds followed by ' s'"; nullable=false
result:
2 h 43 min 04 s
